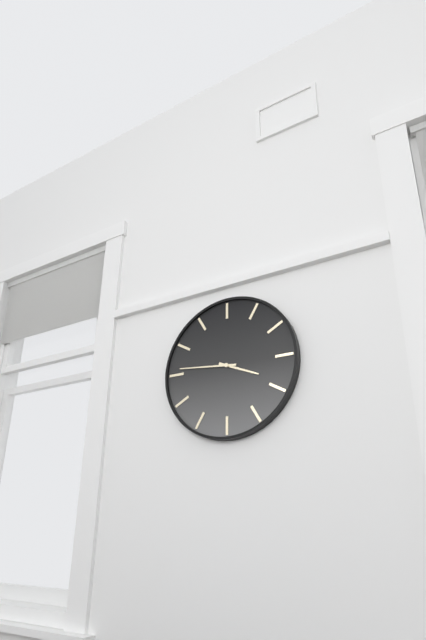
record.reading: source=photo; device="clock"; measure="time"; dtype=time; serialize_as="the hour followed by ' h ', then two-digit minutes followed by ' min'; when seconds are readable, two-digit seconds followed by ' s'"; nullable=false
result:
3 h 46 min
